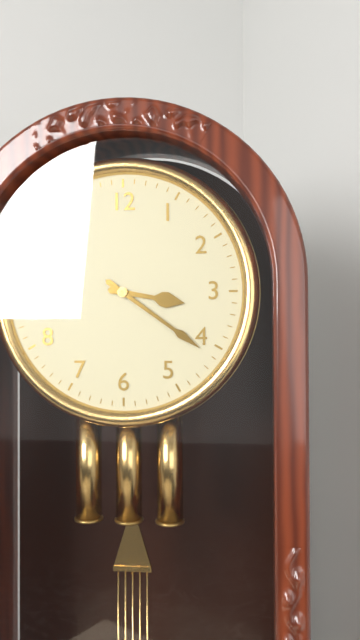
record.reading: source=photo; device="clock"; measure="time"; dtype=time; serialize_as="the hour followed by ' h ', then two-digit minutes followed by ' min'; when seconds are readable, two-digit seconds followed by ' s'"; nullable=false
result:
3 h 21 min
